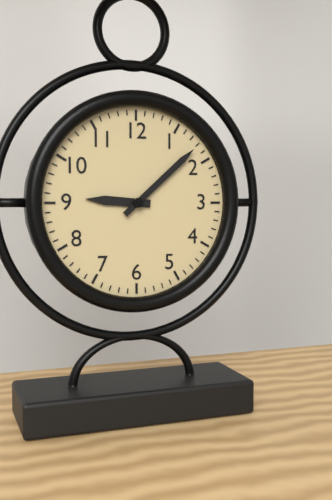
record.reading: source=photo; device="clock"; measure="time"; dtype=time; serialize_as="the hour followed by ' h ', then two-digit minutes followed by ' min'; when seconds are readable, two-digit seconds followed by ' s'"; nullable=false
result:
9 h 08 min
